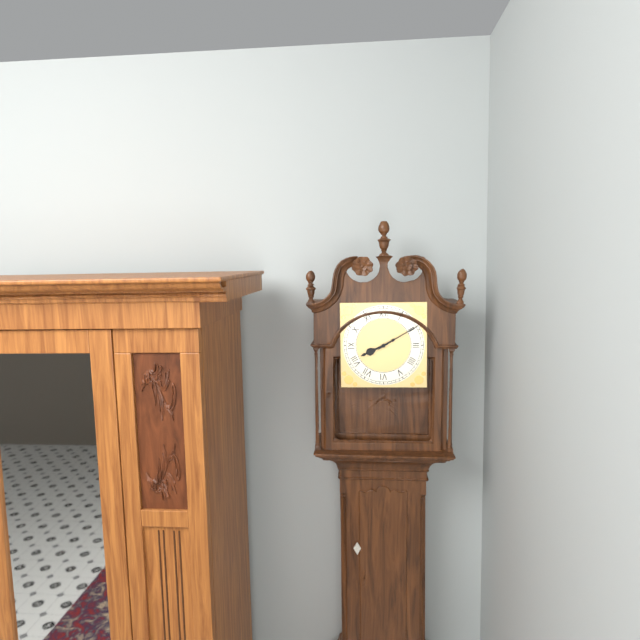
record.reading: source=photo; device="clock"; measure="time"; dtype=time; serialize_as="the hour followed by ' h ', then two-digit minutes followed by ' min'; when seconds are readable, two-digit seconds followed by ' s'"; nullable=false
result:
8 h 10 min
